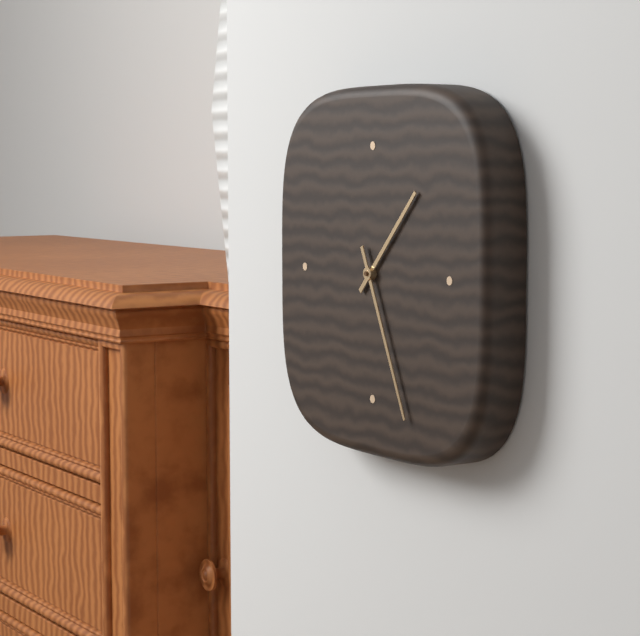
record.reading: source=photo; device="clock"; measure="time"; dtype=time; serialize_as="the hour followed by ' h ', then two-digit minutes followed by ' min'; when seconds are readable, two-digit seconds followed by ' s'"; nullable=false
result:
1 h 26 min
